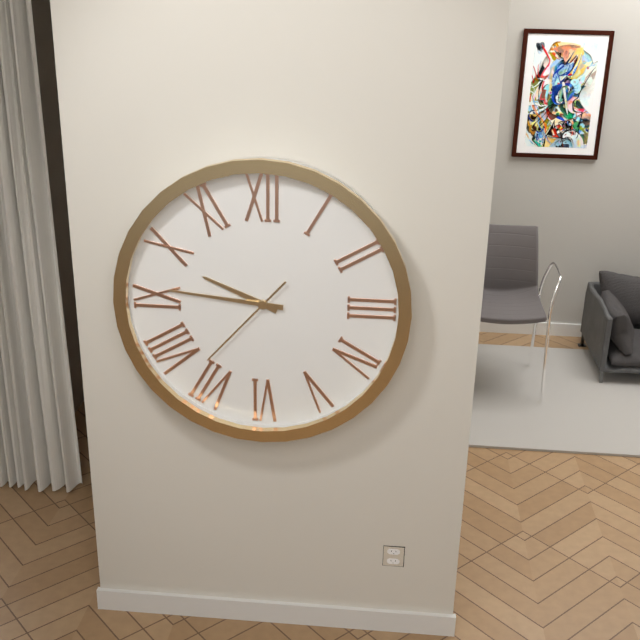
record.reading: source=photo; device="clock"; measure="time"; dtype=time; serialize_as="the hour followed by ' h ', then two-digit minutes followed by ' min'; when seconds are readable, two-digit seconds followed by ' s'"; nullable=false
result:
9 h 46 min 37 s
